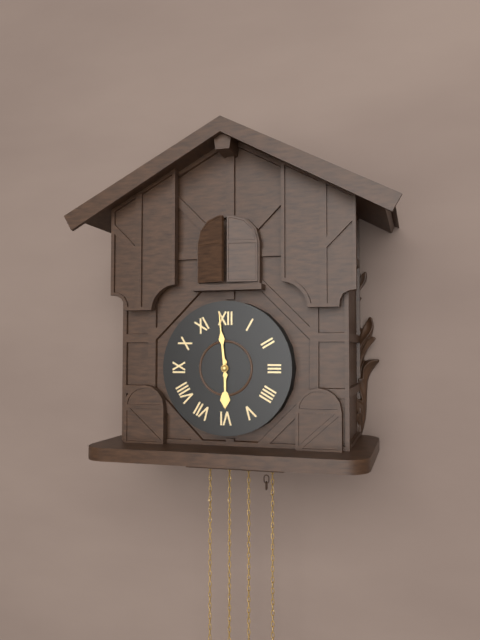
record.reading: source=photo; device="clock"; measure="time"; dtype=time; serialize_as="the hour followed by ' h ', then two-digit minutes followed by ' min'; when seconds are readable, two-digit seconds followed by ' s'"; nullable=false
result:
5 h 59 min
